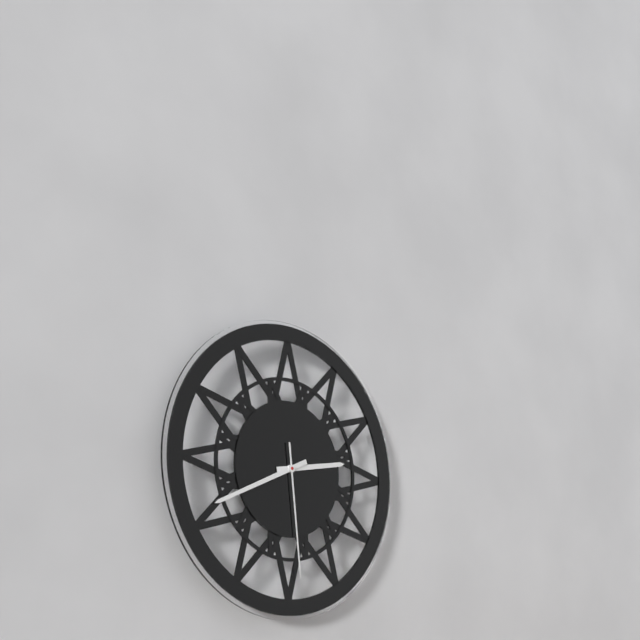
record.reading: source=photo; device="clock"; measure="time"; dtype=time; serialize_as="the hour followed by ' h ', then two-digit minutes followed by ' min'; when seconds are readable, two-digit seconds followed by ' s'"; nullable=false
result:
2 h 41 min 29 s
